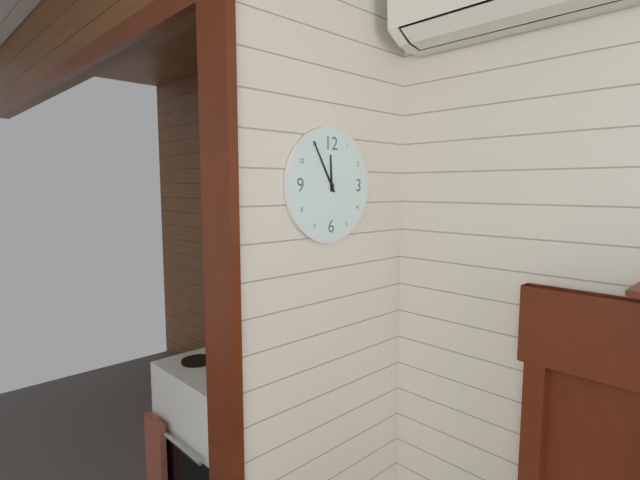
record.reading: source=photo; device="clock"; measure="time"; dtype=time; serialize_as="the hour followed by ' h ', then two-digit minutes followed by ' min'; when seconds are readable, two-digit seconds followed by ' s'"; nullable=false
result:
11 h 55 min
